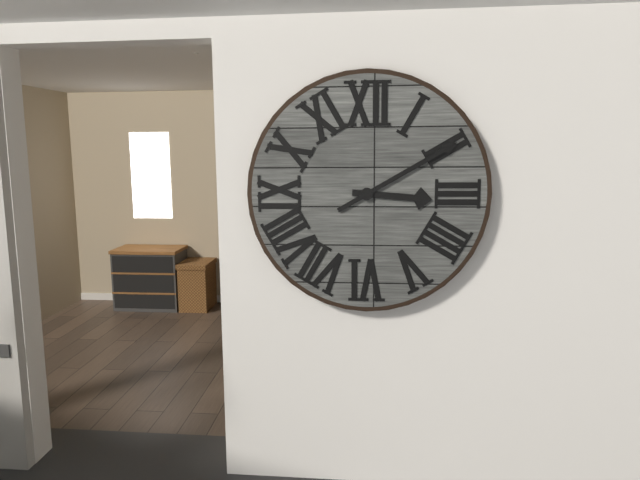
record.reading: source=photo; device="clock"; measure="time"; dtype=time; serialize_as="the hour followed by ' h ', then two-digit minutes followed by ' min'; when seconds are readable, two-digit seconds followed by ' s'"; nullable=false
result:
3 h 10 min
